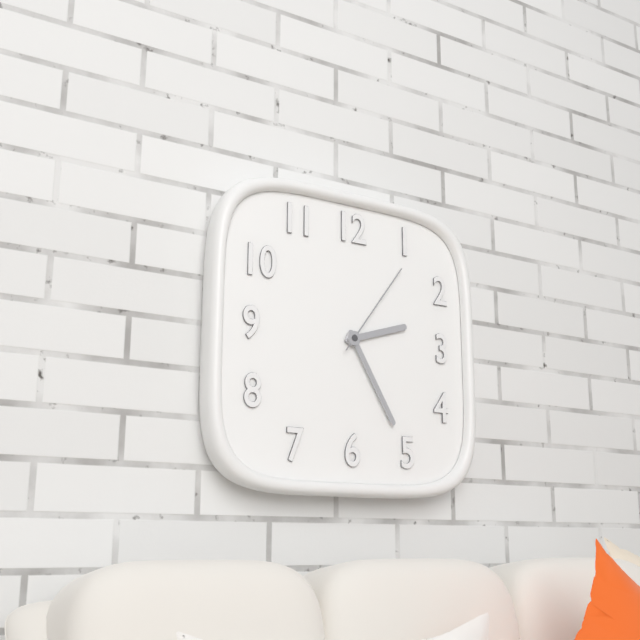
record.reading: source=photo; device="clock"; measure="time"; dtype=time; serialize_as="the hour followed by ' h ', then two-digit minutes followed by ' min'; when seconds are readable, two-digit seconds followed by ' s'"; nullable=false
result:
2 h 25 min 06 s
